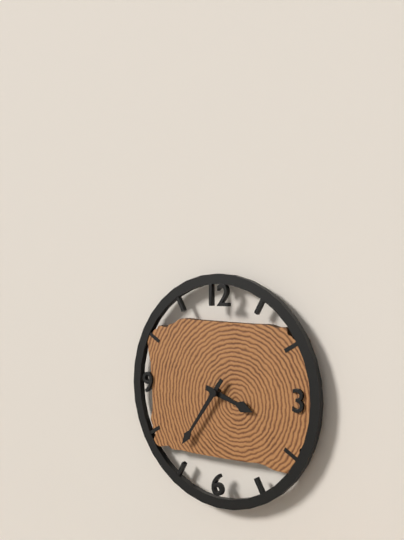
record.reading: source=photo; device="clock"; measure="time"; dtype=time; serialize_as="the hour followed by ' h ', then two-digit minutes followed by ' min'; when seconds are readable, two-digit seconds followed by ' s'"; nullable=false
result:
3 h 36 min
